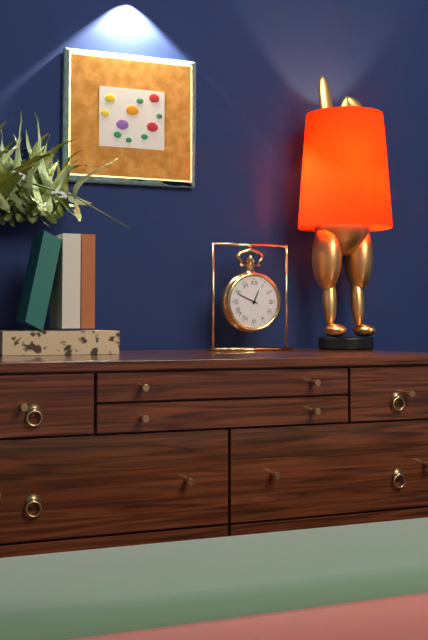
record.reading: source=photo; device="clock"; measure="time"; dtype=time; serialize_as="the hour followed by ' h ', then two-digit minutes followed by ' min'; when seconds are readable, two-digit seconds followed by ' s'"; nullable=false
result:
12 h 49 min
